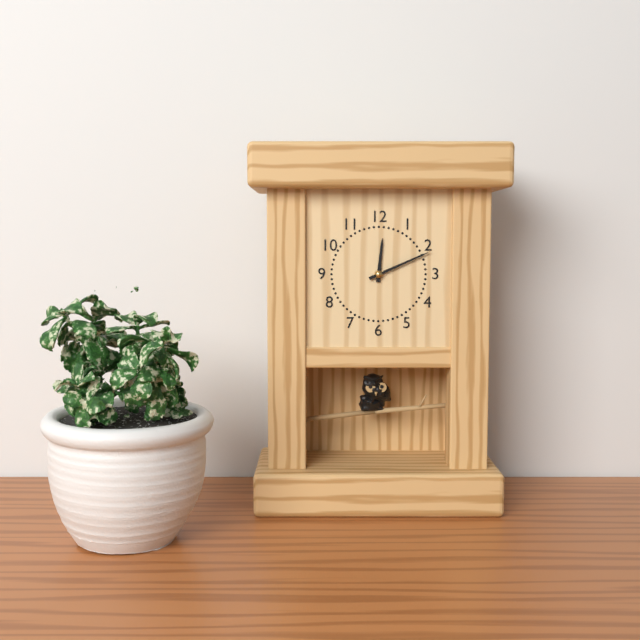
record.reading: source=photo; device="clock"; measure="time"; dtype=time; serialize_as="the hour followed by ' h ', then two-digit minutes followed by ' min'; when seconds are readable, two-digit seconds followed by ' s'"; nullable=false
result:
12 h 11 min
